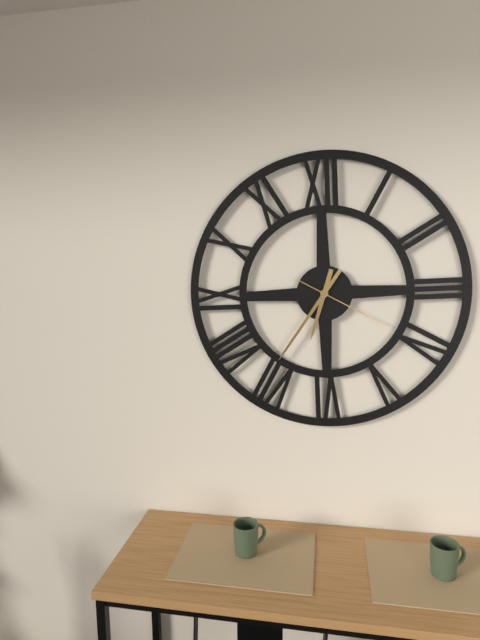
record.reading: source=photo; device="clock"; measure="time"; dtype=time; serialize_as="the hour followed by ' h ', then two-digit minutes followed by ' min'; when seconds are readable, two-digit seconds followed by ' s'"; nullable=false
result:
6 h 36 min 20 s
